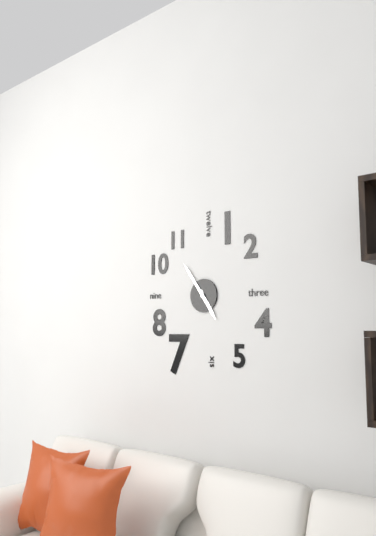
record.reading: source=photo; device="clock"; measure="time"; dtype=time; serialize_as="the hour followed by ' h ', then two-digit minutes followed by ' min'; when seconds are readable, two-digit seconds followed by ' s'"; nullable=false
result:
4 h 54 min
